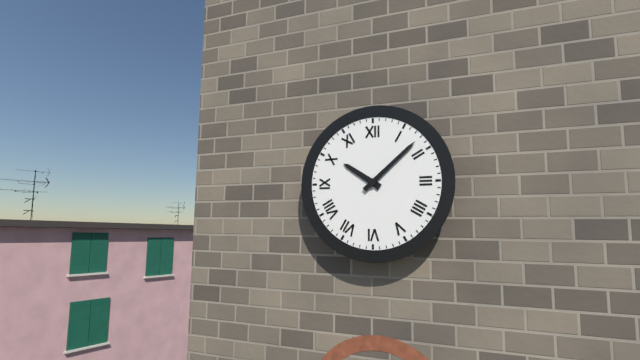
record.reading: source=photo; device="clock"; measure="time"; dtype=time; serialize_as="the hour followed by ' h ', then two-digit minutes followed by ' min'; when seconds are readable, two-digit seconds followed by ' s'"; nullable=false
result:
10 h 08 min
